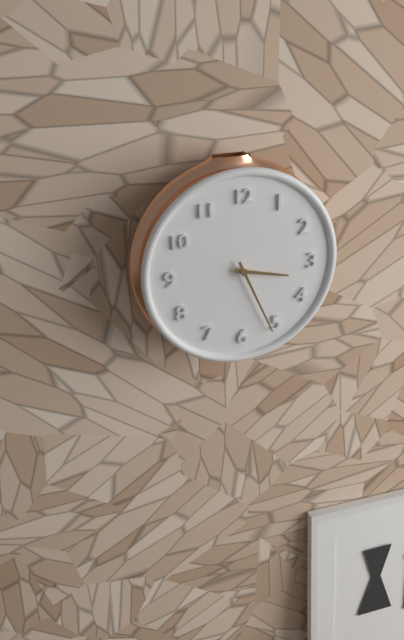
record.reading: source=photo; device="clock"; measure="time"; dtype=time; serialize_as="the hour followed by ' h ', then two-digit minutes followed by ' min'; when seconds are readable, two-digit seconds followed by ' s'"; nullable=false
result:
3 h 26 min
